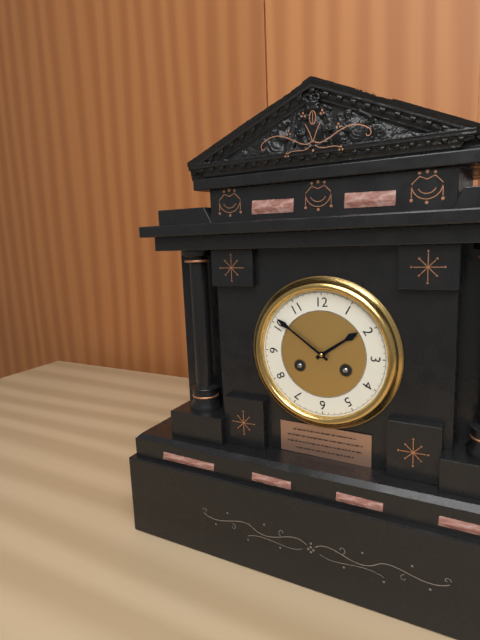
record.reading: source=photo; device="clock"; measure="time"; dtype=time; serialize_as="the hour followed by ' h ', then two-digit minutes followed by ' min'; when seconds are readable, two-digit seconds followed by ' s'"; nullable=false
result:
1 h 51 min
